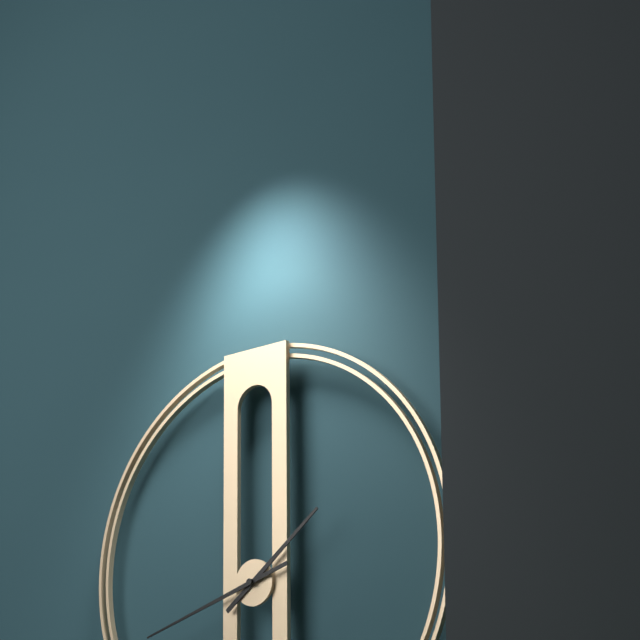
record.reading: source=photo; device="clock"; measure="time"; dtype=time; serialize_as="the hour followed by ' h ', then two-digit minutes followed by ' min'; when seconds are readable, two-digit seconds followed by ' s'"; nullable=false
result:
1 h 42 min
